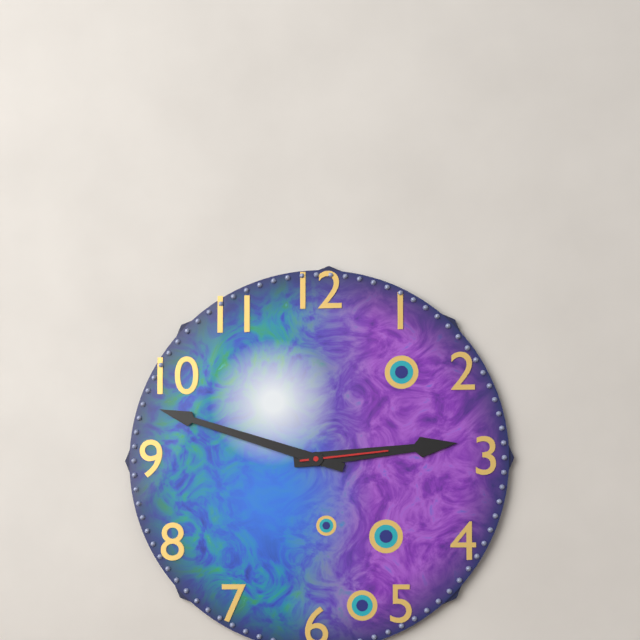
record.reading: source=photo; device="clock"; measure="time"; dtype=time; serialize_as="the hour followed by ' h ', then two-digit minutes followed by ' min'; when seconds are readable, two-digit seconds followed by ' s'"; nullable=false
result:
2 h 48 min 14 s
